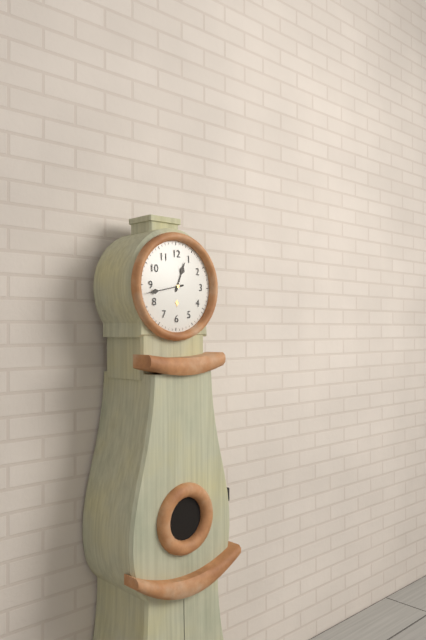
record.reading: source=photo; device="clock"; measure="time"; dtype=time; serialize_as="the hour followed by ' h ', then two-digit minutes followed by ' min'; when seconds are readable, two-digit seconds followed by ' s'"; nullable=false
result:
12 h 43 min
